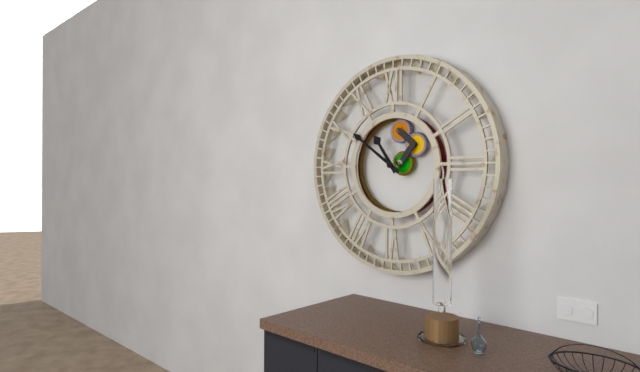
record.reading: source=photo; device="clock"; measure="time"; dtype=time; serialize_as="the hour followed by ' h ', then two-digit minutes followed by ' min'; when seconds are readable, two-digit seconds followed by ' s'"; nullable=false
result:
10 h 51 min
